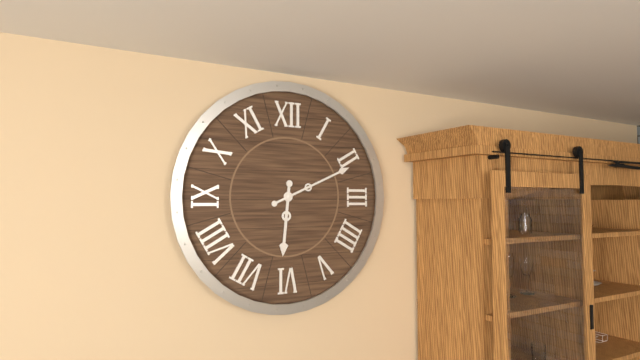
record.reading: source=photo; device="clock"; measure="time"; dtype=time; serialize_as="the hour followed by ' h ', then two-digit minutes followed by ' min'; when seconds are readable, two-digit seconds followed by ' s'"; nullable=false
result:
6 h 11 min
